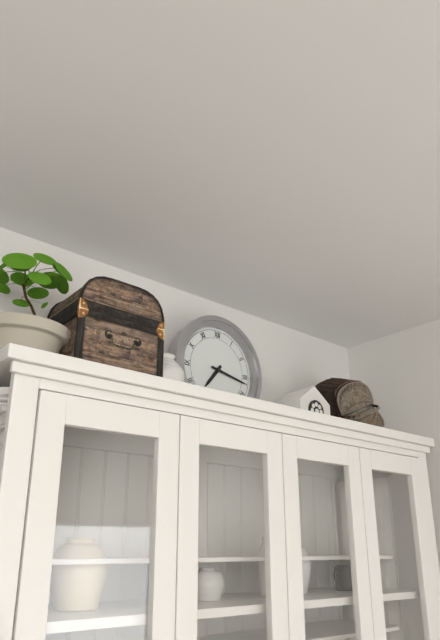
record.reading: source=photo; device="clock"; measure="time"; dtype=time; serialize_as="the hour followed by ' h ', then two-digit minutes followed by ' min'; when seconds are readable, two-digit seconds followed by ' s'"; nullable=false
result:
7 h 17 min
